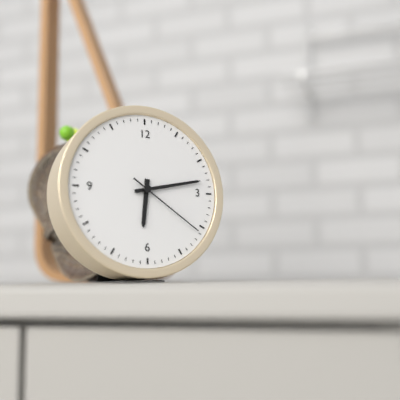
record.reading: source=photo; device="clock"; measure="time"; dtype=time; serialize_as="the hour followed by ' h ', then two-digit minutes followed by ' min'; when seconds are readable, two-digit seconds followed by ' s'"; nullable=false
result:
6 h 13 min 21 s
